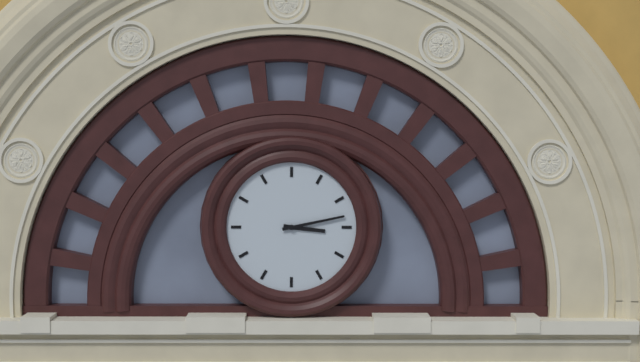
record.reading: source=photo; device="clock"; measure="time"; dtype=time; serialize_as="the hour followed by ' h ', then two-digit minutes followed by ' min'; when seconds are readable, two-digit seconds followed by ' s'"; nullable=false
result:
3 h 13 min
